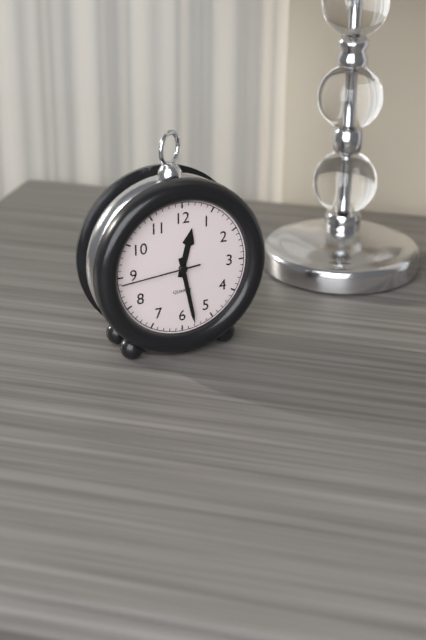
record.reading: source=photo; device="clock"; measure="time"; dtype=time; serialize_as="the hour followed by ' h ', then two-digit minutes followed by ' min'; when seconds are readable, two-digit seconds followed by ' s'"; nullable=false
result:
12 h 28 min 44 s
